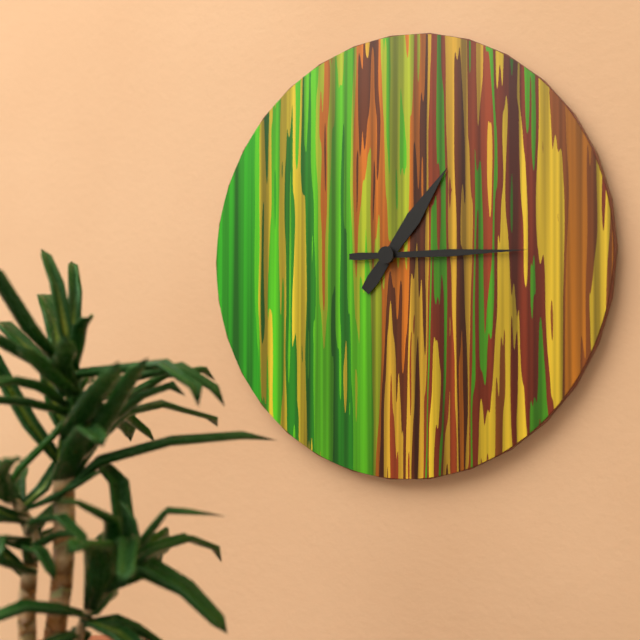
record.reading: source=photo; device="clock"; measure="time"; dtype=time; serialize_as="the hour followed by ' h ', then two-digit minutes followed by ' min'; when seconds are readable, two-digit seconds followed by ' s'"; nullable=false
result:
1 h 15 min
